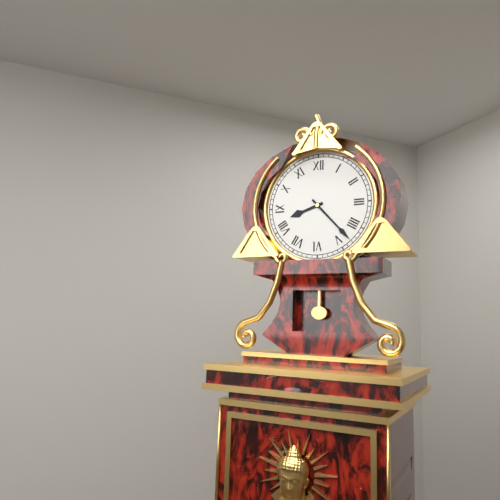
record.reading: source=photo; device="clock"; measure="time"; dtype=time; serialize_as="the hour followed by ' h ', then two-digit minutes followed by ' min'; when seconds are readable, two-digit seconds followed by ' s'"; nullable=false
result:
8 h 23 min
